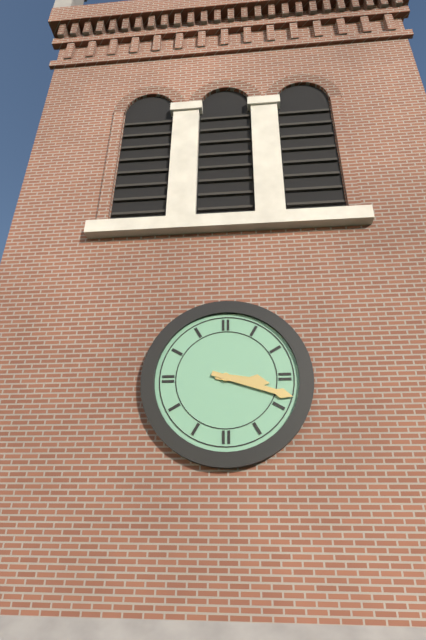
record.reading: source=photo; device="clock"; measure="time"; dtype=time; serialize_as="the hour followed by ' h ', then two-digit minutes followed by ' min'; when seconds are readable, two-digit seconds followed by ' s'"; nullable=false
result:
3 h 18 min
